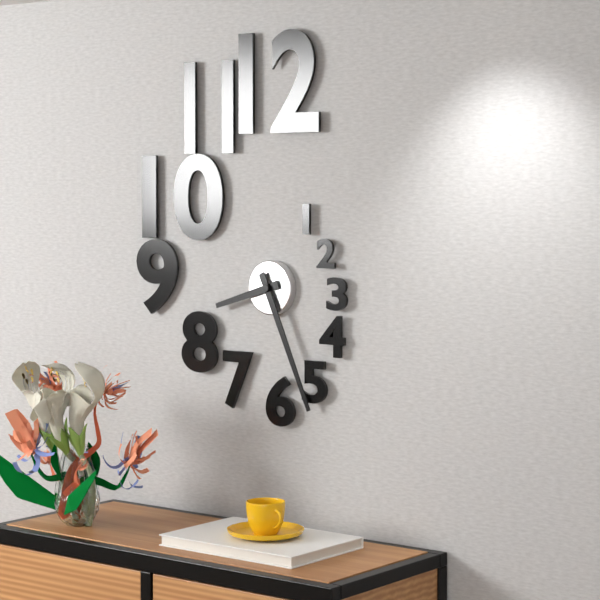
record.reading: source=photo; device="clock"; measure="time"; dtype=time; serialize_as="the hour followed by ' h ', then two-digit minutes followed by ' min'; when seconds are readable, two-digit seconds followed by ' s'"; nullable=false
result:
8 h 26 min
